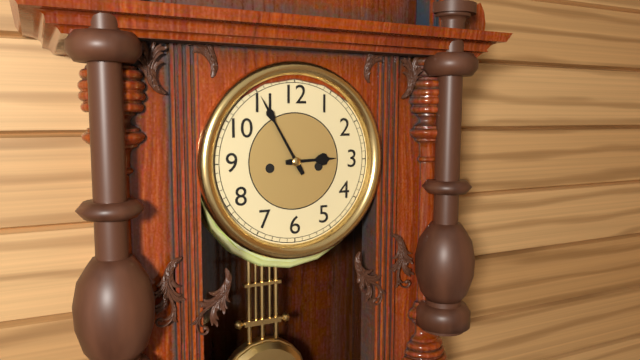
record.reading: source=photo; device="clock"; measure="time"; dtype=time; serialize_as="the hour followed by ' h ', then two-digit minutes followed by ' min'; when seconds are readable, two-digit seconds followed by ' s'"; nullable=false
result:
2 h 55 min
